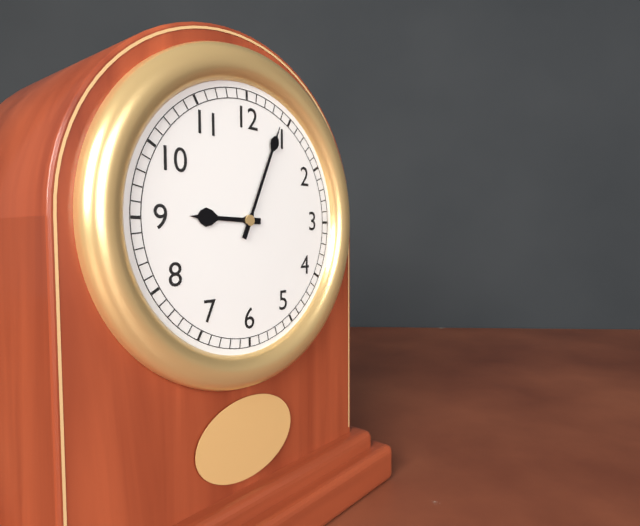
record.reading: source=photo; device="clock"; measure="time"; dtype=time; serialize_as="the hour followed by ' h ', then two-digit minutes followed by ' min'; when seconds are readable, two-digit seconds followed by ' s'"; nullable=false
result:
9 h 04 min
